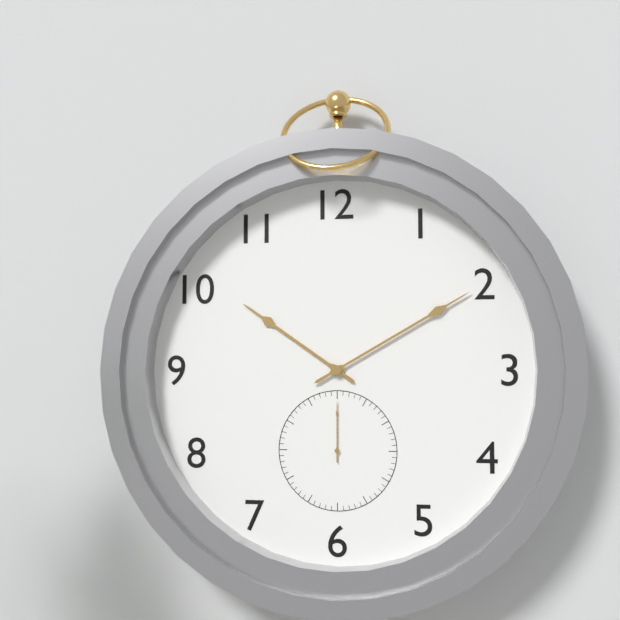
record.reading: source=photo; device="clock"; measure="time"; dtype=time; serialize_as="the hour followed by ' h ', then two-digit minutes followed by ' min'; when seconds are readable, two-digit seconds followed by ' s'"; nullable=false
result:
10 h 10 min 00 s
